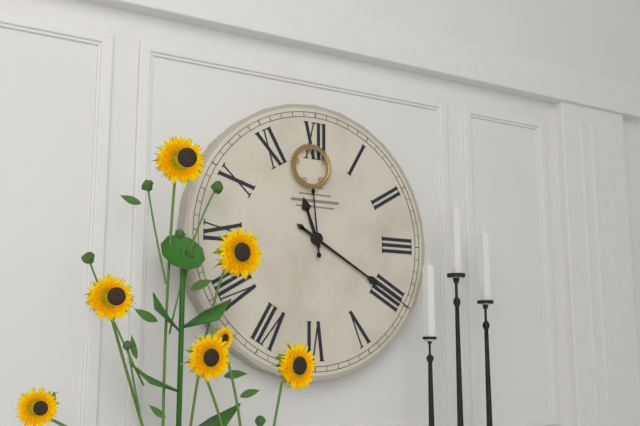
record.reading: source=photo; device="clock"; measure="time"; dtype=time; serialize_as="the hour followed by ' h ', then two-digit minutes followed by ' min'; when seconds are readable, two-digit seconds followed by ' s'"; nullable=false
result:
11 h 20 min 59 s
